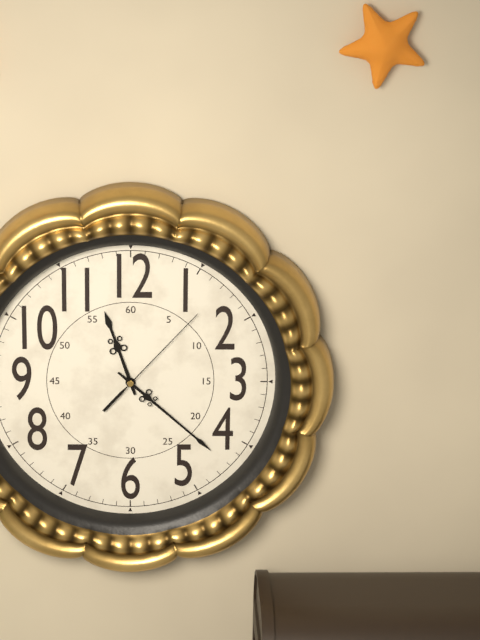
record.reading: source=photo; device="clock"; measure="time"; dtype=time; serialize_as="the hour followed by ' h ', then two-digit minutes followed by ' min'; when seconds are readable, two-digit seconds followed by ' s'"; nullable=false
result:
11 h 22 min 07 s
